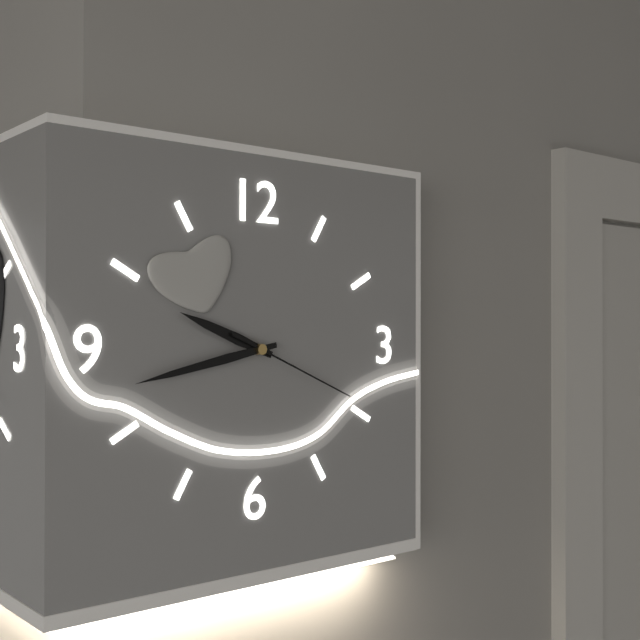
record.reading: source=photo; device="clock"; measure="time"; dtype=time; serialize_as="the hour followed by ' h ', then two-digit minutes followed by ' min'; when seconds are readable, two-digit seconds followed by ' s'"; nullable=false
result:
9 h 43 min 19 s
